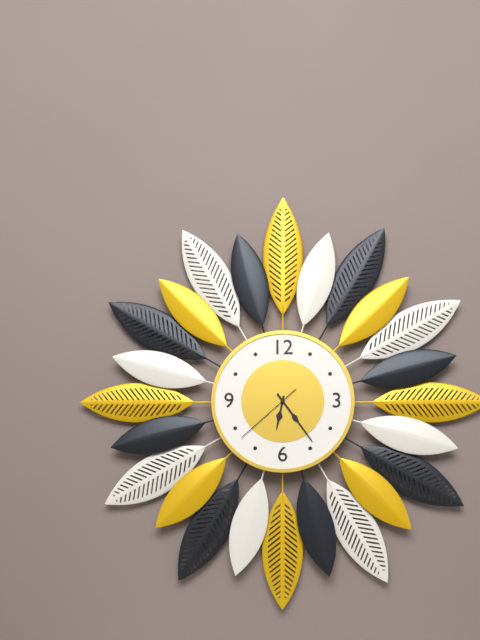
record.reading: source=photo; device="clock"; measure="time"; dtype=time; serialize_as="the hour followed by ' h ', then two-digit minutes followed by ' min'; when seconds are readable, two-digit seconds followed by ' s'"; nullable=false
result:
6 h 24 min 38 s
